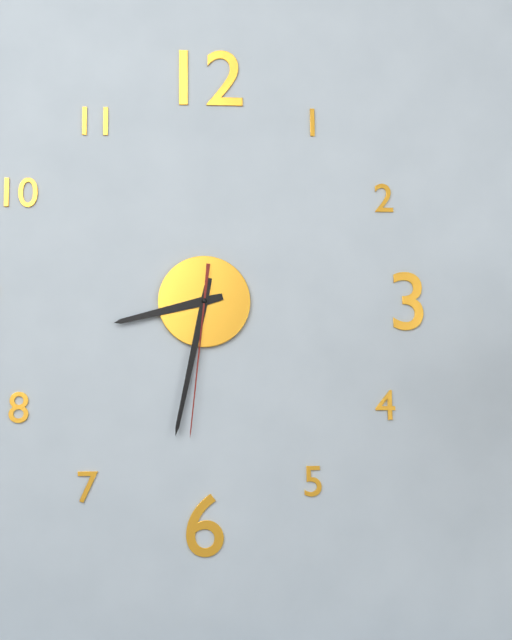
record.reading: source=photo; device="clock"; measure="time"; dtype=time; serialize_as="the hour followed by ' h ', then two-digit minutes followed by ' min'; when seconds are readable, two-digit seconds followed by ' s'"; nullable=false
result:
8 h 32 min 31 s
